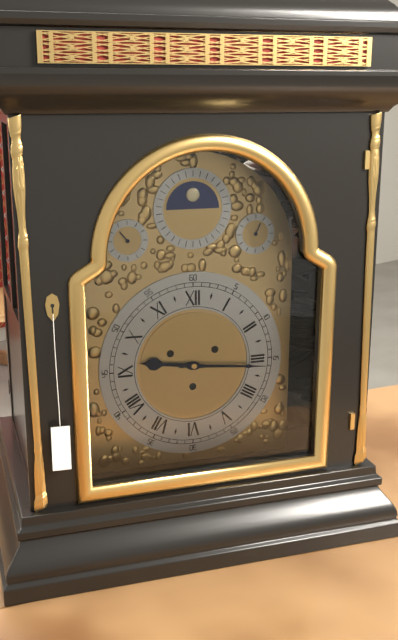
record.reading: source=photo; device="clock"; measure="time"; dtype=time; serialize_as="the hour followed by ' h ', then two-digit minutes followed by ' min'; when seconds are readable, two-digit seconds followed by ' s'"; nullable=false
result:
9 h 16 min
